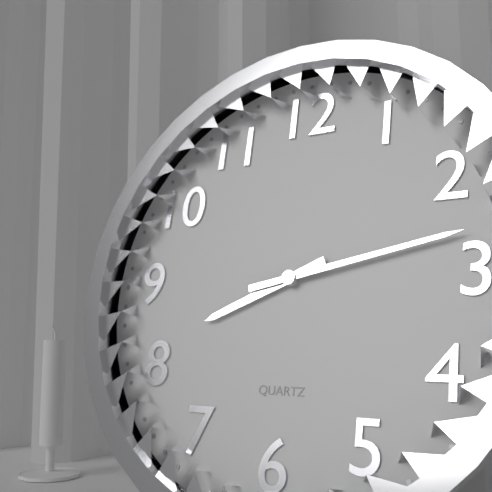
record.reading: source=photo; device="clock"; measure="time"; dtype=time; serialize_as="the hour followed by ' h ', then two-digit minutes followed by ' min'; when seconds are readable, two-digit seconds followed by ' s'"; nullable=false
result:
8 h 13 min
